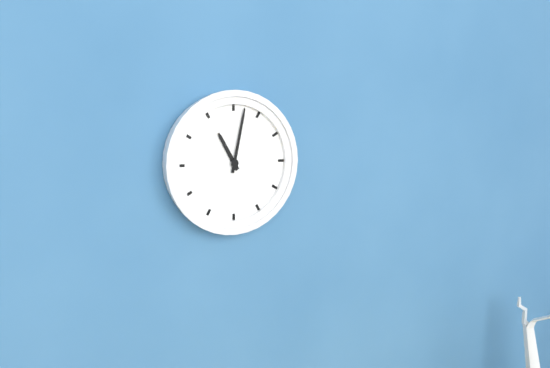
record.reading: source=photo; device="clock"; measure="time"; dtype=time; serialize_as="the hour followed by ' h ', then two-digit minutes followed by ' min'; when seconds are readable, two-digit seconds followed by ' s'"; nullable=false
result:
11 h 02 min
